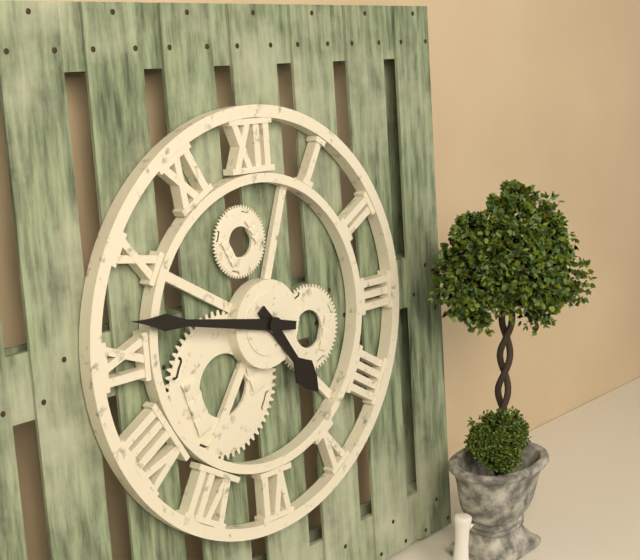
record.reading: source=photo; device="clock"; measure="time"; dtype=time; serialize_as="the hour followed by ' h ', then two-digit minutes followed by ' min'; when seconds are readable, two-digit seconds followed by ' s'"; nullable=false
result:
4 h 47 min
